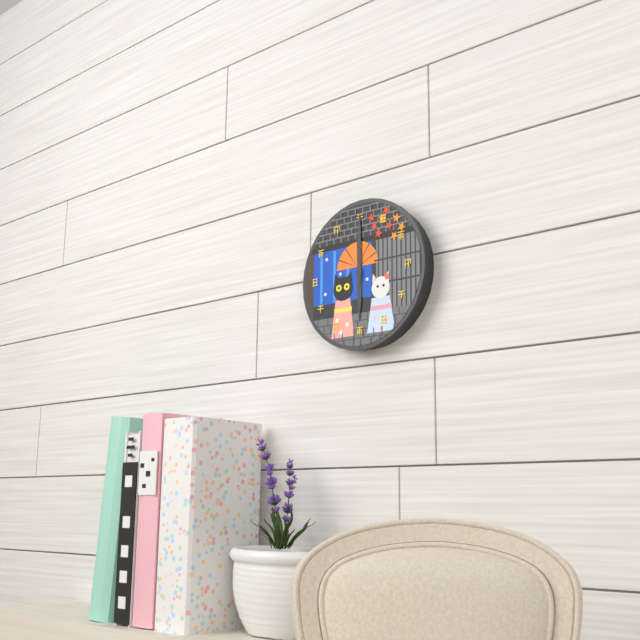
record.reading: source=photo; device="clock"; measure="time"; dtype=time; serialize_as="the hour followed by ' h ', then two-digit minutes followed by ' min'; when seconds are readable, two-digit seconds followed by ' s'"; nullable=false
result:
6 h 00 min
